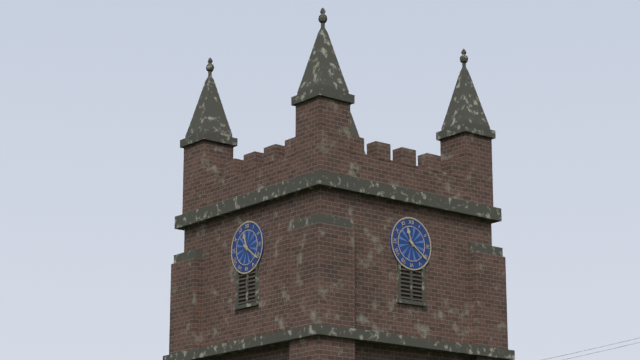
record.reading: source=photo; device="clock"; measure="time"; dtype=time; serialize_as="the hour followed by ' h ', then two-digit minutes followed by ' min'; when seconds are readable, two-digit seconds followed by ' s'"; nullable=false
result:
11 h 21 min
